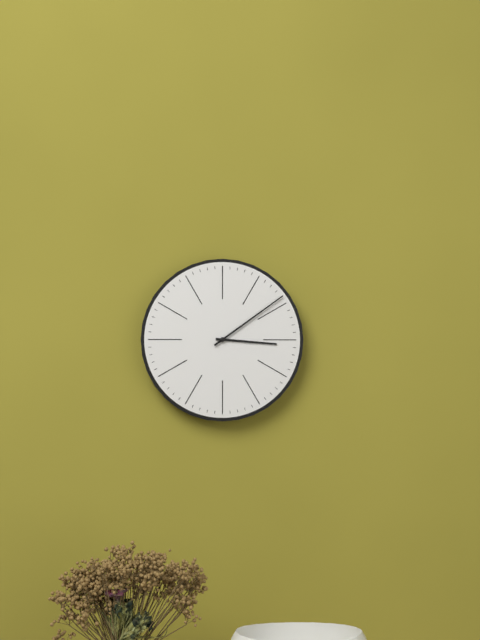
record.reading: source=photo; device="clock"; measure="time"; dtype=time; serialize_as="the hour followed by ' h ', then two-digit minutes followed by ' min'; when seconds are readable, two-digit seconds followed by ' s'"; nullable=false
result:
3 h 09 min
